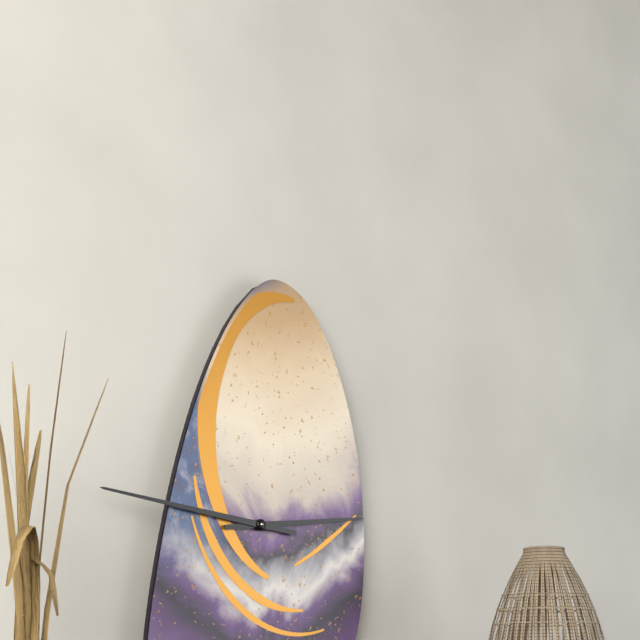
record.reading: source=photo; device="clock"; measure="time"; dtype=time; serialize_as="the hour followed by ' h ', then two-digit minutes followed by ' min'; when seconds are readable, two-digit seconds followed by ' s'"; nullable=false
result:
2 h 46 min
